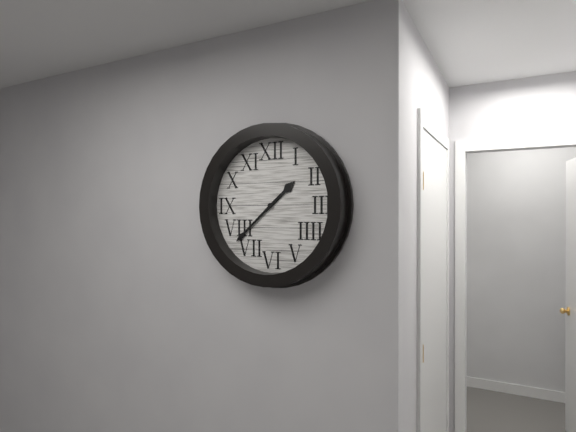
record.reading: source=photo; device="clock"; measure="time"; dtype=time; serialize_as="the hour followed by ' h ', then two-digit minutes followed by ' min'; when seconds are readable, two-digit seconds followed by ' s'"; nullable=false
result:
1 h 38 min
